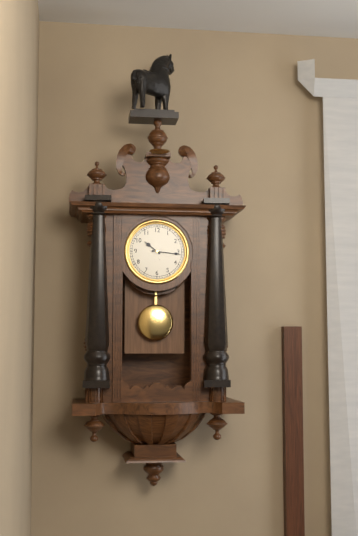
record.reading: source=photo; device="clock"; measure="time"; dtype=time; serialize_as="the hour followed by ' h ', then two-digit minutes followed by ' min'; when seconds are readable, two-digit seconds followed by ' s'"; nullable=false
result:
10 h 16 min
